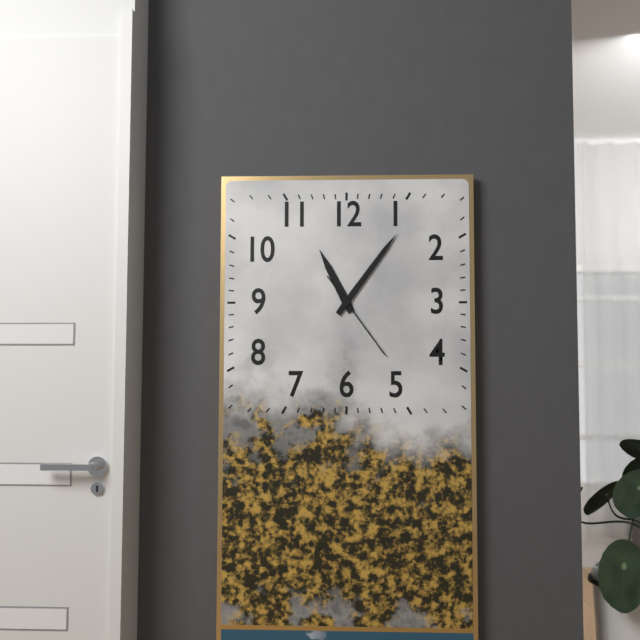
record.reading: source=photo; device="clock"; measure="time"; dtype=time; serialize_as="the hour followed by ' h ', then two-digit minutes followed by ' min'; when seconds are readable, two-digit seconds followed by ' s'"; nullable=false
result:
11 h 06 min 24 s
